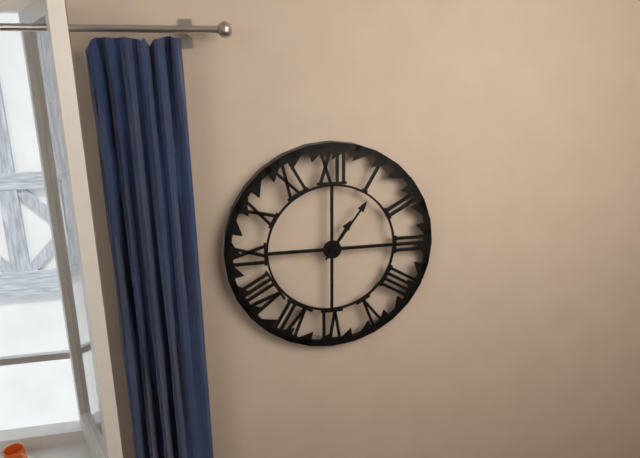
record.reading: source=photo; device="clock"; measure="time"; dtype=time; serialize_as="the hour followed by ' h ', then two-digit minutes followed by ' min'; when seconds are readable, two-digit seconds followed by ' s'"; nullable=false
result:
1 h 06 min
